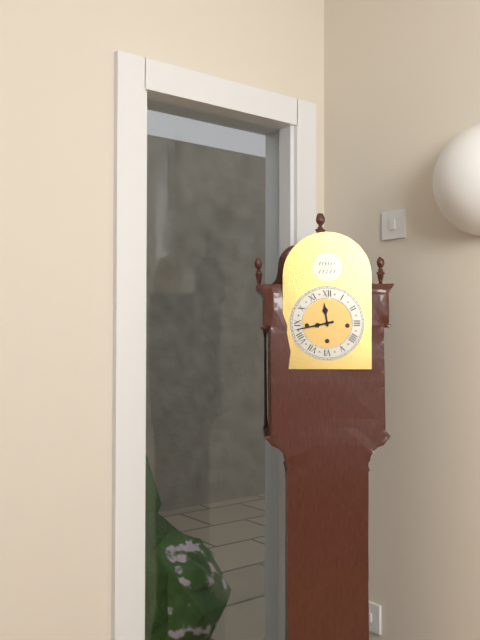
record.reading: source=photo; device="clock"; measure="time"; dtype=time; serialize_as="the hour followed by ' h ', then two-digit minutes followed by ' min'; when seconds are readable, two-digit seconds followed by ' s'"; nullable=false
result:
11 h 43 min
